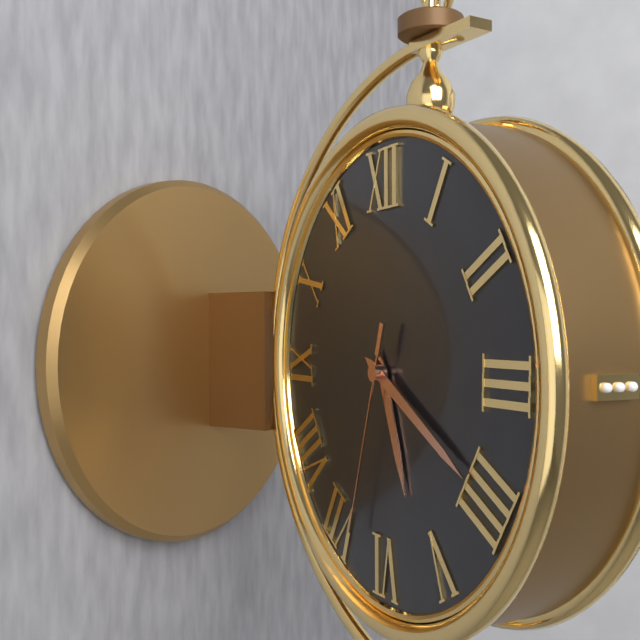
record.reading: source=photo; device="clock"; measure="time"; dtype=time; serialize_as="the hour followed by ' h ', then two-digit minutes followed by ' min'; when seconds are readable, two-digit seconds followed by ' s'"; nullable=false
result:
5 h 20 min 33 s
